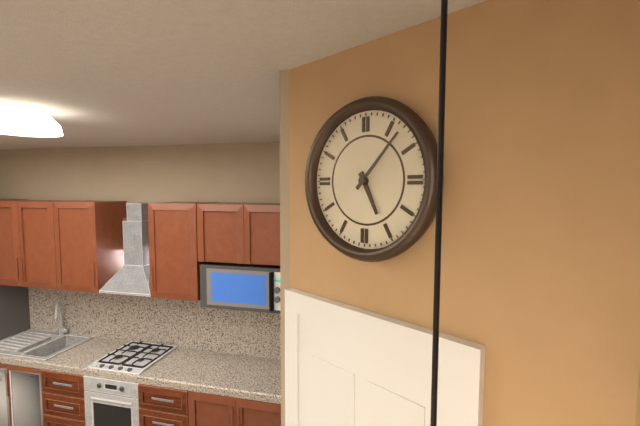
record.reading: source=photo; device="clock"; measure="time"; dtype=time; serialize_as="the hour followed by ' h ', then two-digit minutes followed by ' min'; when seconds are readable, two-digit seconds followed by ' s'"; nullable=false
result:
5 h 07 min
